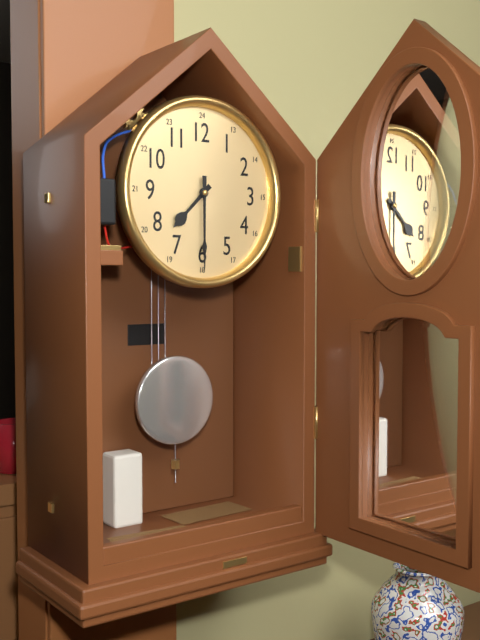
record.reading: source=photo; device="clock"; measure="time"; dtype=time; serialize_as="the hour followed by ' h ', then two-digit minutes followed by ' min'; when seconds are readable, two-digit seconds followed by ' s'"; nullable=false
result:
7 h 30 min
